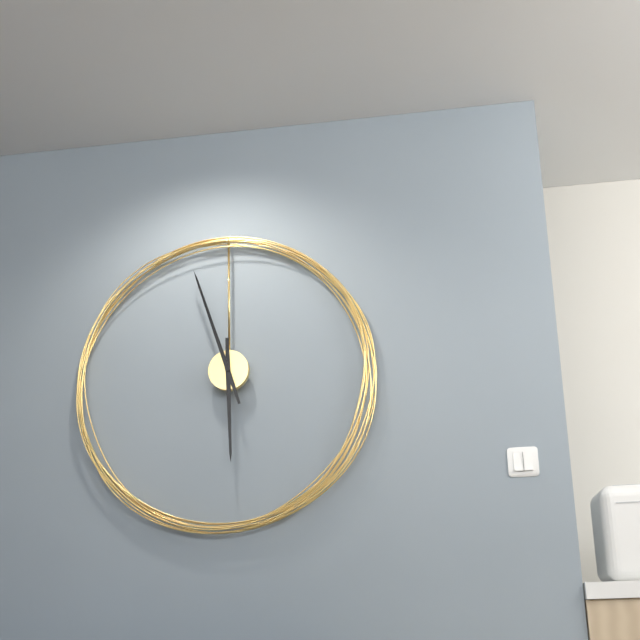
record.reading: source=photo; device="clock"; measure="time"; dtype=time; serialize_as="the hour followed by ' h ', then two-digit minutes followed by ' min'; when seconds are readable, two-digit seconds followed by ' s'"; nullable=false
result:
5 h 57 min
